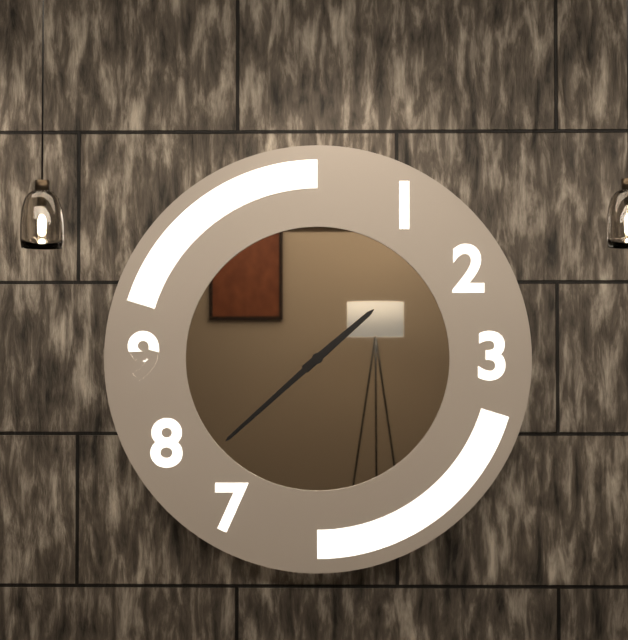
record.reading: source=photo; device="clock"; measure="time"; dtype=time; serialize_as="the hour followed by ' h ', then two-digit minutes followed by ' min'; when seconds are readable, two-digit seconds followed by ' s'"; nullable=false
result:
1 h 38 min
